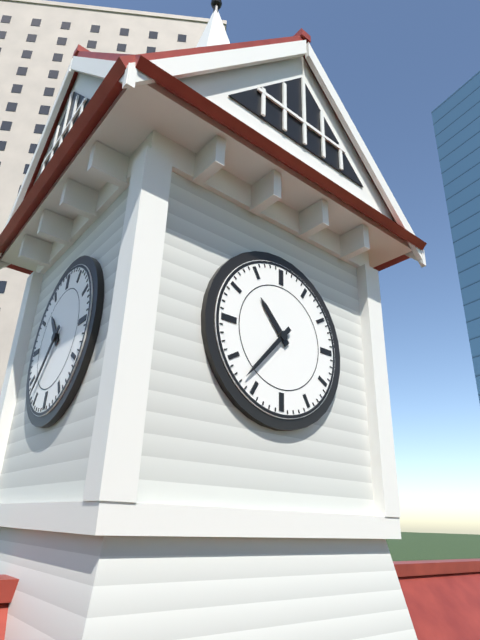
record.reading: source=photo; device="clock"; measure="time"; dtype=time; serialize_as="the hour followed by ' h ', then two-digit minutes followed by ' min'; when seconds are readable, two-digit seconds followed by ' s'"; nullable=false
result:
10 h 37 min
